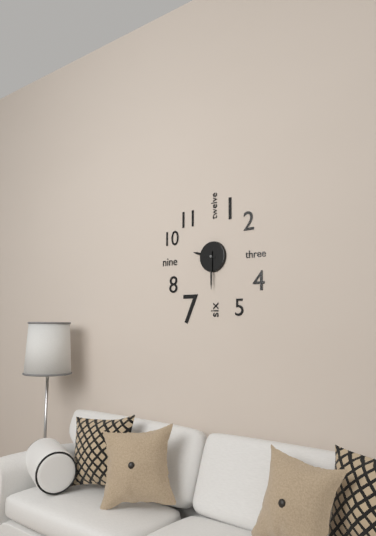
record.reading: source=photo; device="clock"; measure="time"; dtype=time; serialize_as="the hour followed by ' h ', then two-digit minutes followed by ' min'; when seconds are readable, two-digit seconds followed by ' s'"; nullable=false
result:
9 h 30 min
